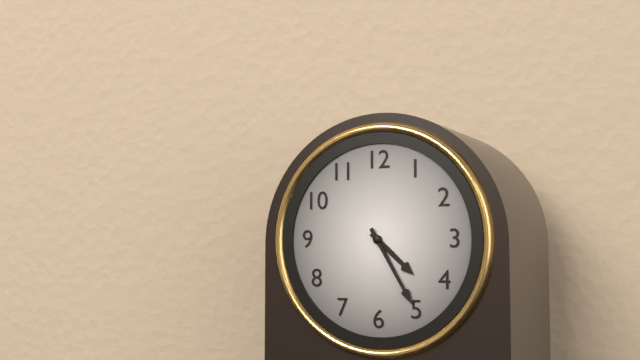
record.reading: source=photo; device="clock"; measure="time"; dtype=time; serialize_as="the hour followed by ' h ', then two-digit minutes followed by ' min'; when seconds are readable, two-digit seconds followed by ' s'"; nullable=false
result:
4 h 25 min
